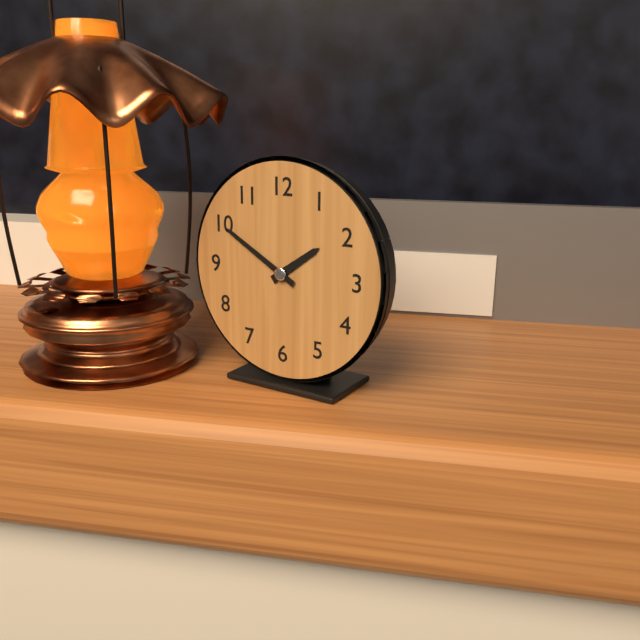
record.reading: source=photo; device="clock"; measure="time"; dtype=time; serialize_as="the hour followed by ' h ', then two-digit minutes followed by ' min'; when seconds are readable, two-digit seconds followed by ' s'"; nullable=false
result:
1 h 50 min
